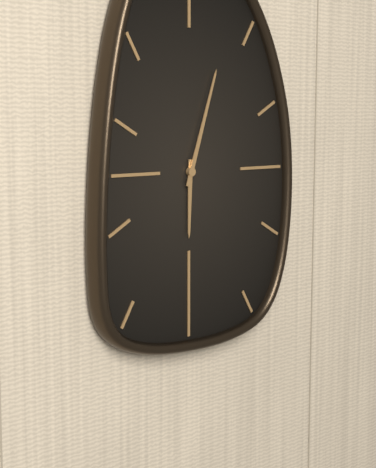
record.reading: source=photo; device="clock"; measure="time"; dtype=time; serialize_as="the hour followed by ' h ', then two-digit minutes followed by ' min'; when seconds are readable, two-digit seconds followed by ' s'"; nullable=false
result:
6 h 03 min
